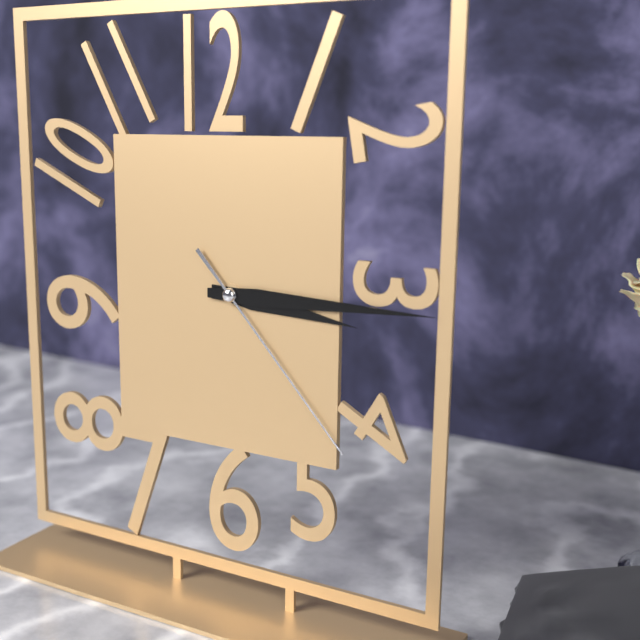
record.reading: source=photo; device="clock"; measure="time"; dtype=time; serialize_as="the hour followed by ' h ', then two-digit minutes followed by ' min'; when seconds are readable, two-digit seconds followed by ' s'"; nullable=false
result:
3 h 15 min 23 s
